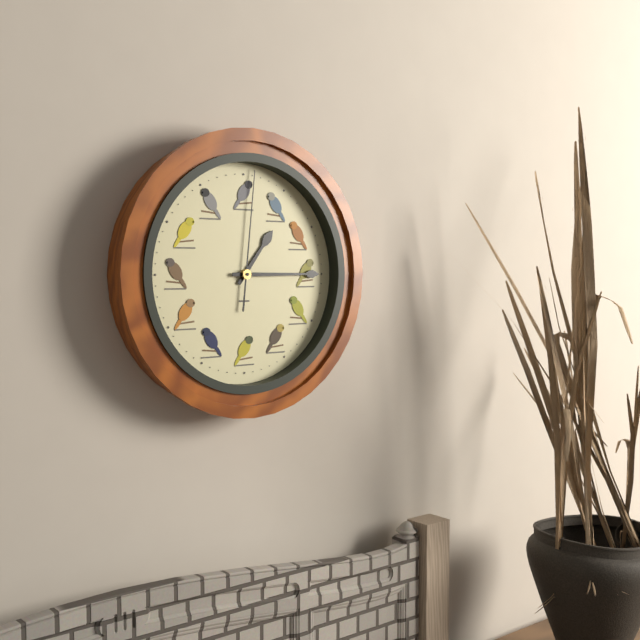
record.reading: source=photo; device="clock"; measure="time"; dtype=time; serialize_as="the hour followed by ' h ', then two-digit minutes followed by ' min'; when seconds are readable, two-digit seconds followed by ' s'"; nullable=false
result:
1 h 15 min 01 s
